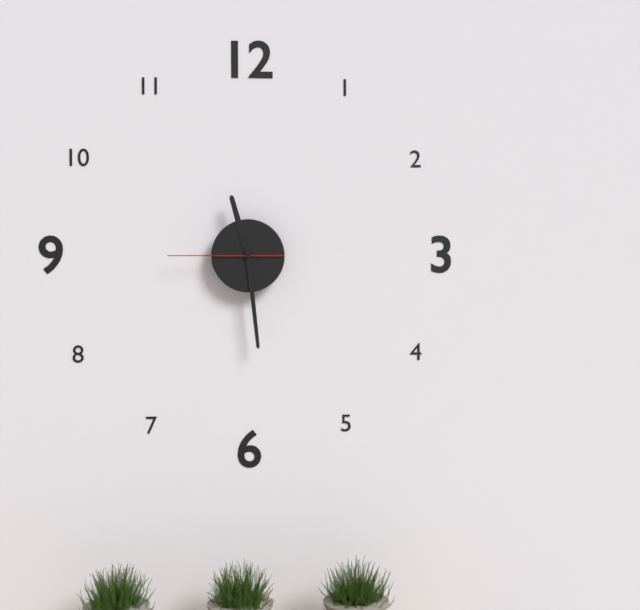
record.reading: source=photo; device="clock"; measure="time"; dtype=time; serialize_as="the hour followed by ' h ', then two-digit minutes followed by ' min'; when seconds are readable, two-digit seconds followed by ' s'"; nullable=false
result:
11 h 29 min 45 s
